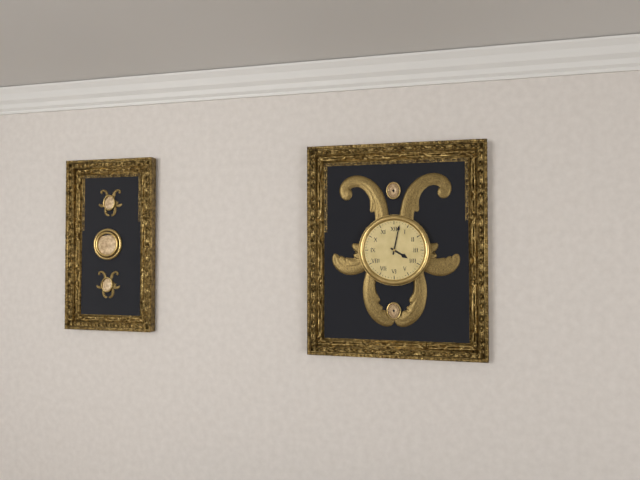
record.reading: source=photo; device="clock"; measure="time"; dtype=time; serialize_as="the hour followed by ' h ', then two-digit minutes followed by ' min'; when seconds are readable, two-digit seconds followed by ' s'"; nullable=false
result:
4 h 02 min
